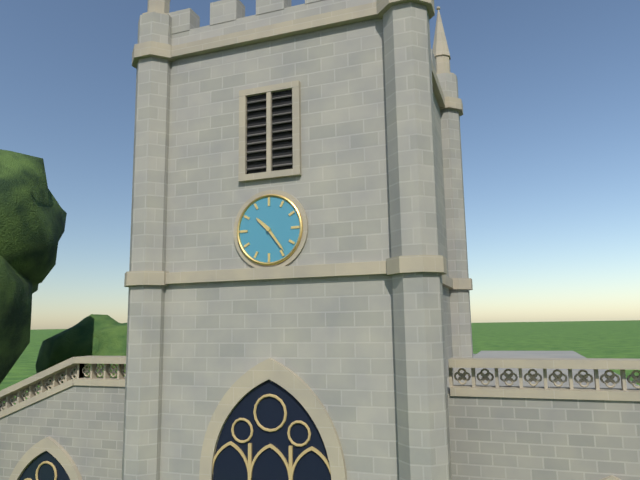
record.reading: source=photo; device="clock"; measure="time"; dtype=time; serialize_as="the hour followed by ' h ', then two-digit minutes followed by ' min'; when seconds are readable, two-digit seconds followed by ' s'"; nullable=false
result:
10 h 24 min
